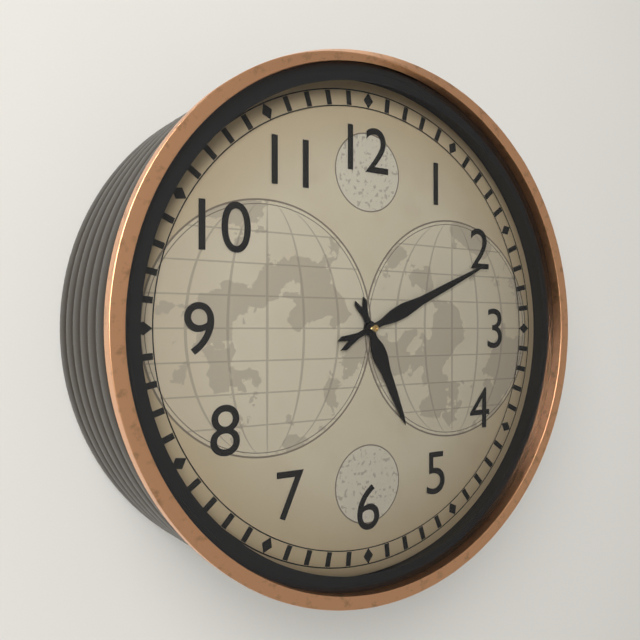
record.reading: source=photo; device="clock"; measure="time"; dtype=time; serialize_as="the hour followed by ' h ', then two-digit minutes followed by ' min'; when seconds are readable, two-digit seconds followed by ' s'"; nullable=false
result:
5 h 11 min
